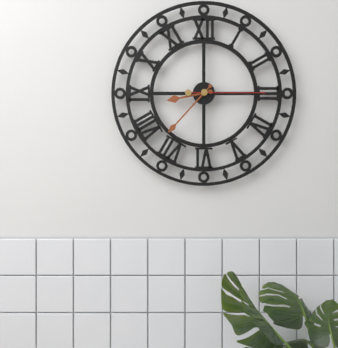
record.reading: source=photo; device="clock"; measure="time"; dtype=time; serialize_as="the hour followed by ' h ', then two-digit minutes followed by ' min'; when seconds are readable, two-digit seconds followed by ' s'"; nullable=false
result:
8 h 37 min 15 s
